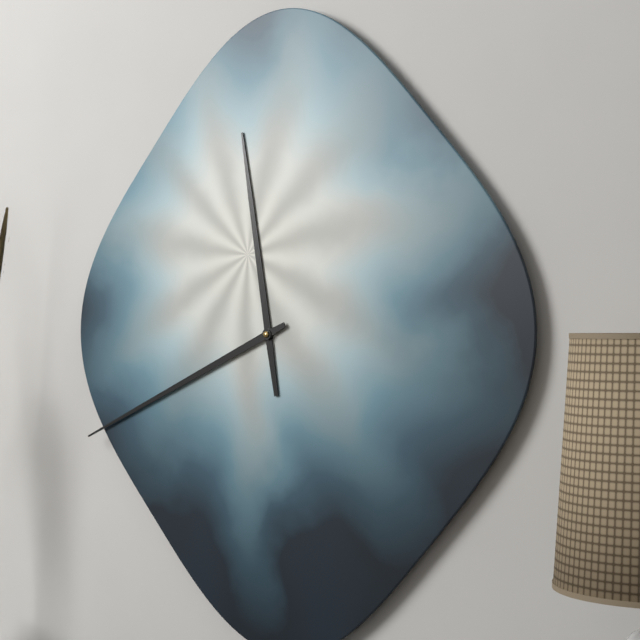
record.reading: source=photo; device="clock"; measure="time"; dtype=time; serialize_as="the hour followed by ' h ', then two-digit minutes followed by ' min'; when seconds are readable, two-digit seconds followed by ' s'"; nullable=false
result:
11 h 41 min
